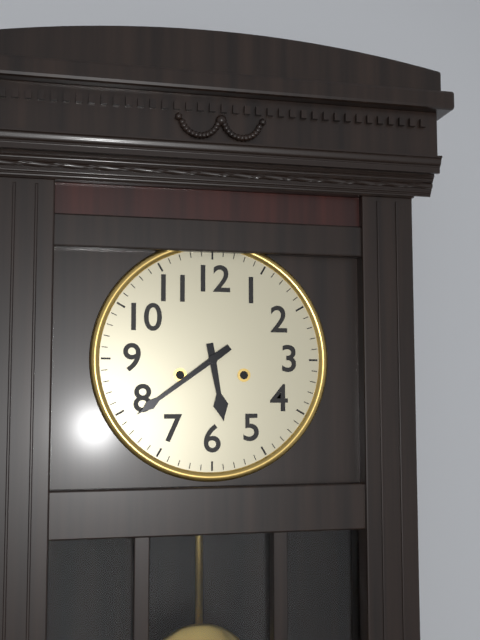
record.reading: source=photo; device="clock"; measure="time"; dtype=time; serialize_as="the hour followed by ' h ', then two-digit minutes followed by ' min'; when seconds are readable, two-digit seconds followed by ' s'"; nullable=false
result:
5 h 39 min
